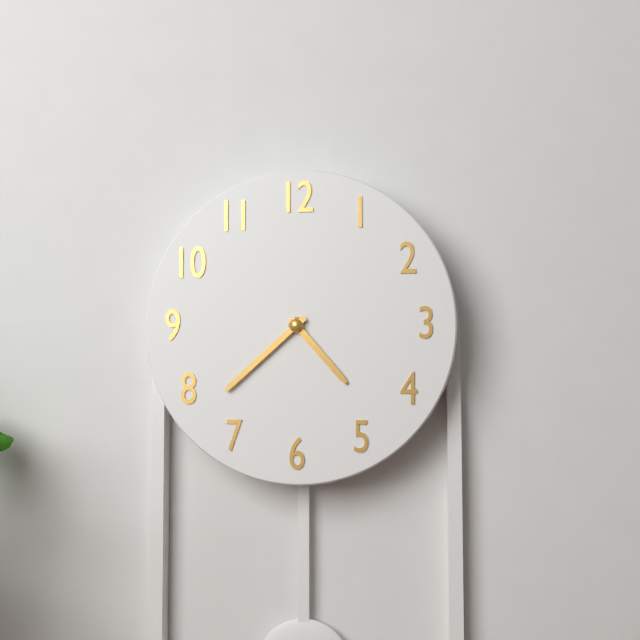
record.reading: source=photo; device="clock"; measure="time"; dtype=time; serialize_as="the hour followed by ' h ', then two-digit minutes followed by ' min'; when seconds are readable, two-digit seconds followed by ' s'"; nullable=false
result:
4 h 38 min
